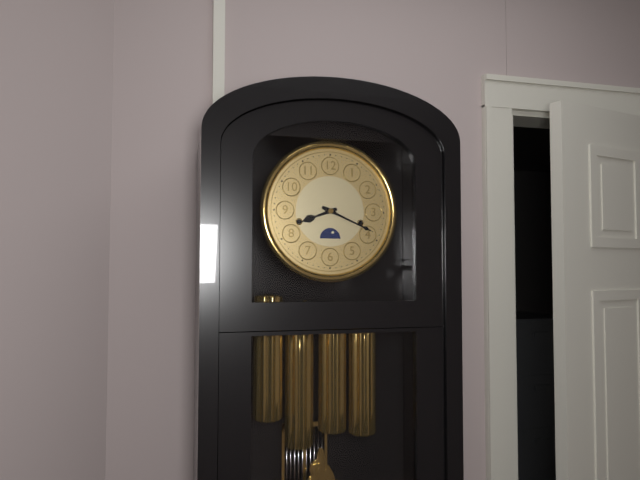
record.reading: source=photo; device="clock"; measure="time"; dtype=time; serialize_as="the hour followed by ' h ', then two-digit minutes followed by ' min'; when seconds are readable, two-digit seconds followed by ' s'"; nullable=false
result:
8 h 19 min
